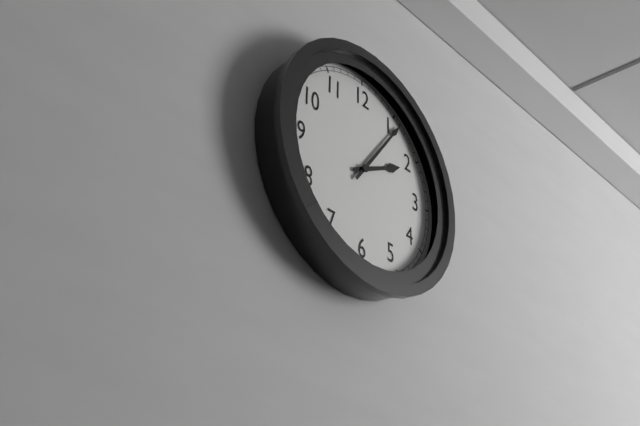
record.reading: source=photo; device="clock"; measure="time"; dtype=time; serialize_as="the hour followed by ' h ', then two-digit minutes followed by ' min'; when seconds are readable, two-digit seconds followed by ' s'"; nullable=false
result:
2 h 06 min
